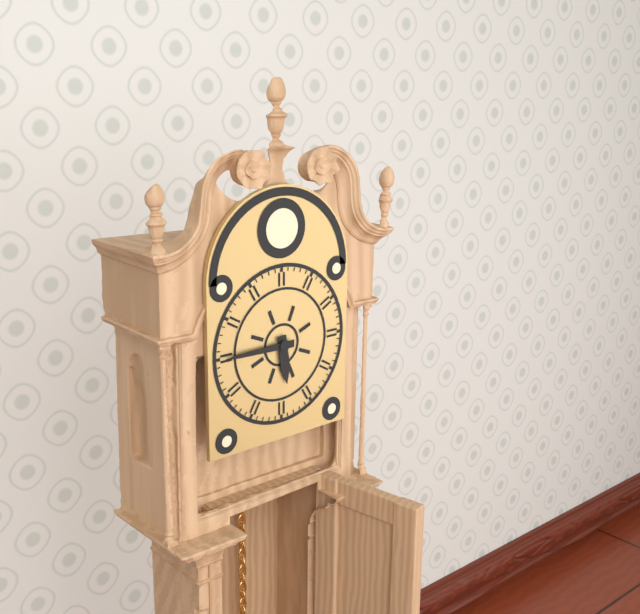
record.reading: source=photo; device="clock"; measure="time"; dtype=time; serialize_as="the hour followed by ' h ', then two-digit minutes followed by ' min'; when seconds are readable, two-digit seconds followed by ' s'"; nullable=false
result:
5 h 45 min
